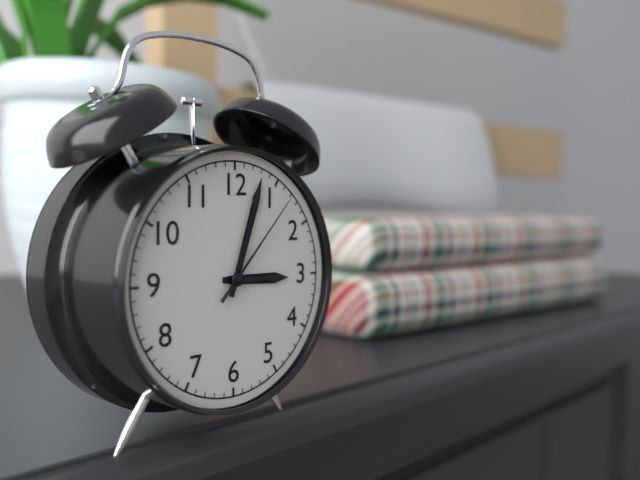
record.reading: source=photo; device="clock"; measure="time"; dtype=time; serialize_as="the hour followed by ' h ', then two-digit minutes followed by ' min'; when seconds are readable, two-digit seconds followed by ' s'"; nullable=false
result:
3 h 03 min 07 s
